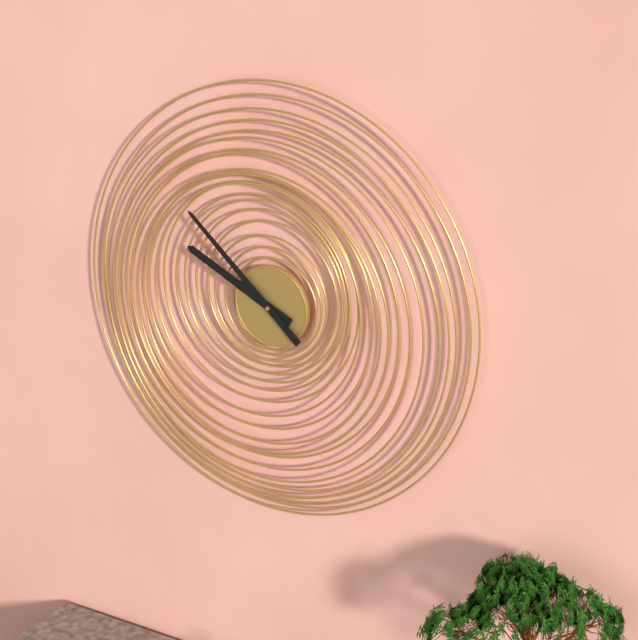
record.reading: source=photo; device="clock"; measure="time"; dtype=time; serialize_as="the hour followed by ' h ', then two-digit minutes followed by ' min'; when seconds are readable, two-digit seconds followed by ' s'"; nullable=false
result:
9 h 52 min
